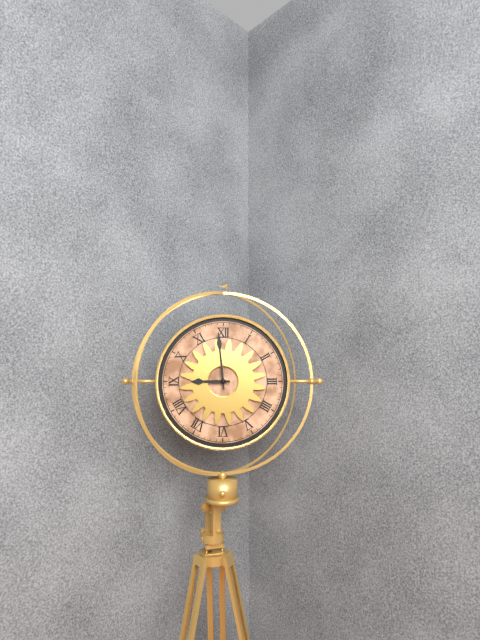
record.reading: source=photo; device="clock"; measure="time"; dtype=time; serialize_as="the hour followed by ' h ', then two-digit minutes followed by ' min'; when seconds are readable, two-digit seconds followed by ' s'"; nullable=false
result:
8 h 59 min
